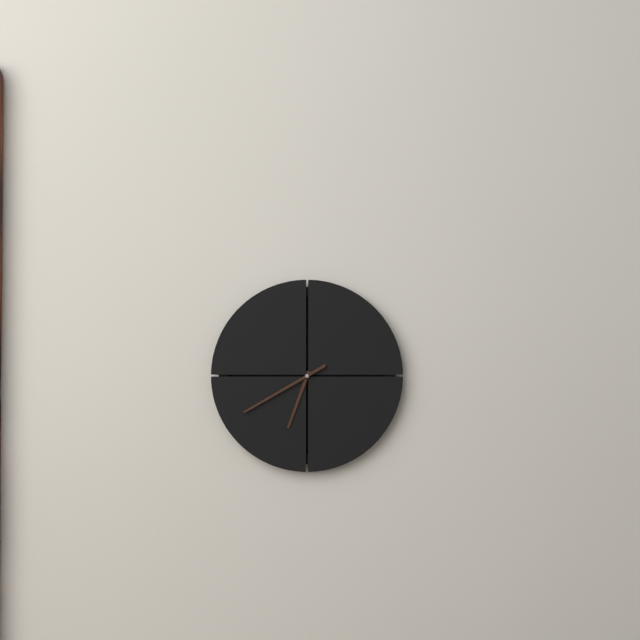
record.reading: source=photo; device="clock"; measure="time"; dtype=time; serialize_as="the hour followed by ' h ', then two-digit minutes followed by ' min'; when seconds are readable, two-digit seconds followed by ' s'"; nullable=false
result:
6 h 40 min
